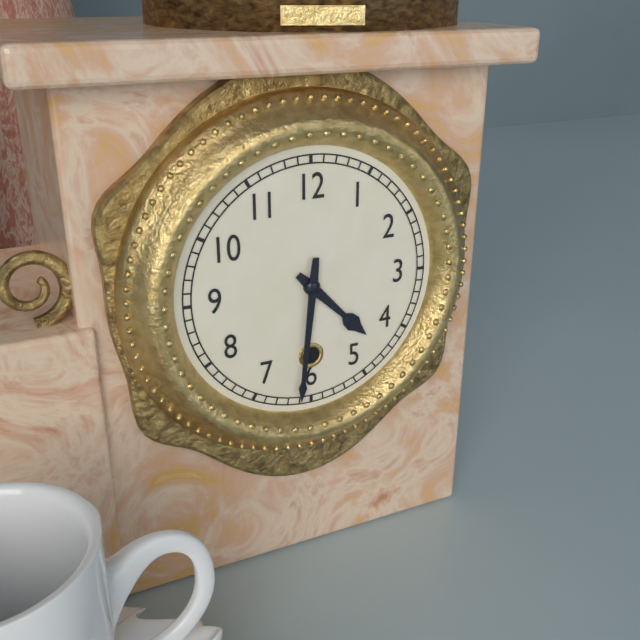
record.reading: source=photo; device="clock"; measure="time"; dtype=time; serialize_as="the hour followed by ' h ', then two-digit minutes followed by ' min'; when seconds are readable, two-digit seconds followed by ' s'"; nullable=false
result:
4 h 31 min
